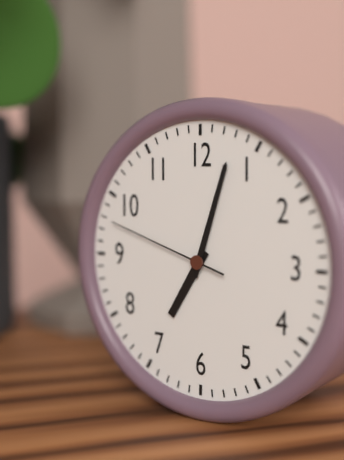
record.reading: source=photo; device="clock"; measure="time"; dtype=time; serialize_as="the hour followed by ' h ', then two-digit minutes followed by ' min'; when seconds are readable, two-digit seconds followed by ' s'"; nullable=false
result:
7 h 03 min 48 s
